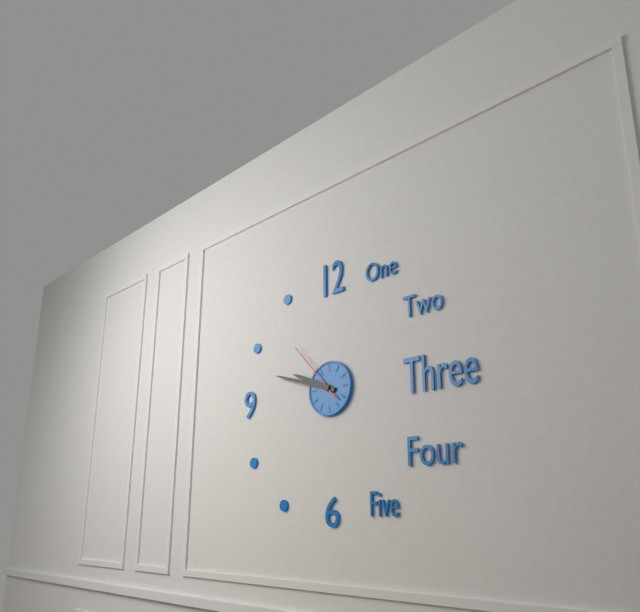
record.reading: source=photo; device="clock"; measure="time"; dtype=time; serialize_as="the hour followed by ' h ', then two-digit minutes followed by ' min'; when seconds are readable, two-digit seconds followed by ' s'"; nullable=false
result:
9 h 48 min 53 s
